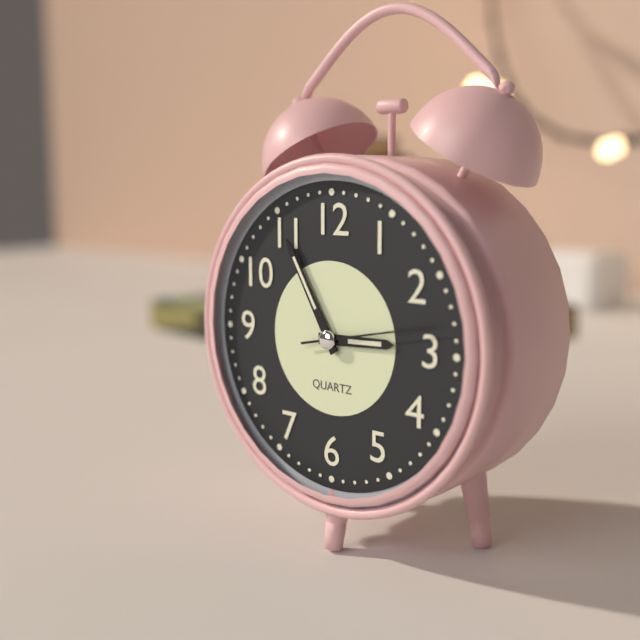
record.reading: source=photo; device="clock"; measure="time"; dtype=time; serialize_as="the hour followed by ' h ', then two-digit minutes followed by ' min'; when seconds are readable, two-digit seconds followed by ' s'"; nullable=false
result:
2 h 55 min 13 s
